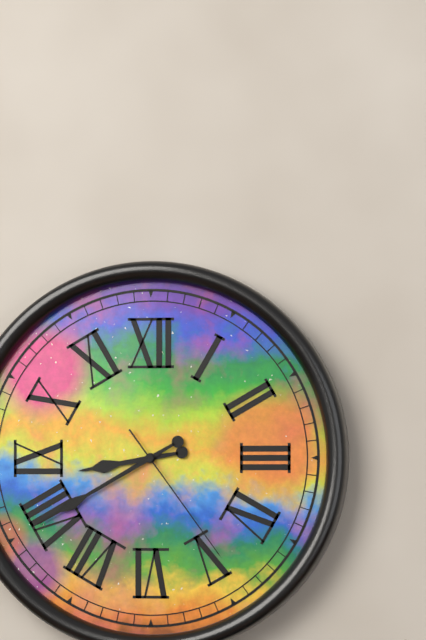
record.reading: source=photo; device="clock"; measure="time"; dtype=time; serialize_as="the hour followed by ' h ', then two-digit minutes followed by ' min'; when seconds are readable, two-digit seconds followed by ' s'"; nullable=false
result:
8 h 40 min 24 s
